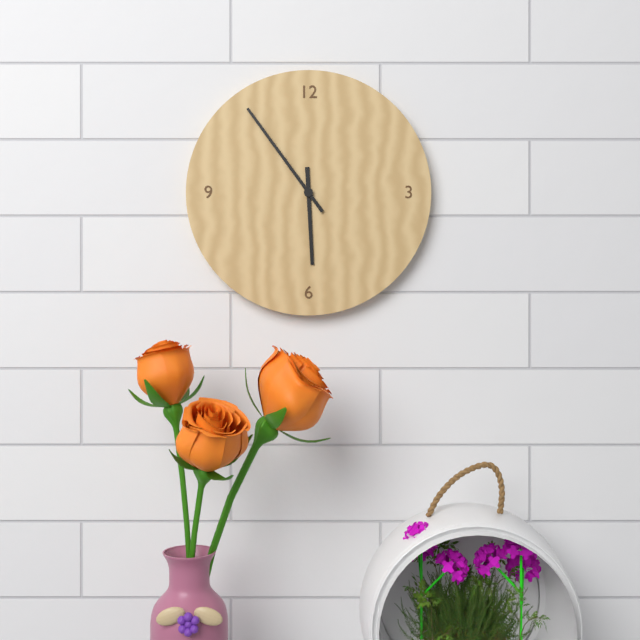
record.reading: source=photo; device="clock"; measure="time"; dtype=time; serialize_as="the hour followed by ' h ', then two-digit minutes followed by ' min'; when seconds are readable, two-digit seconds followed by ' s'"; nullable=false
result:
5 h 54 min
